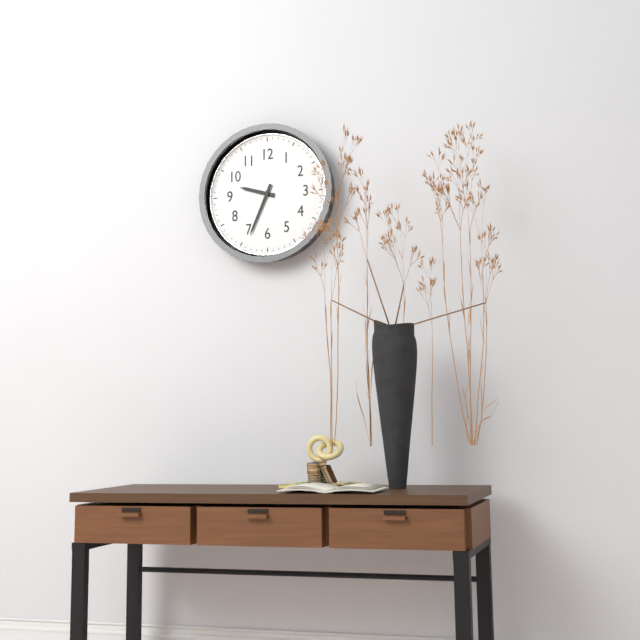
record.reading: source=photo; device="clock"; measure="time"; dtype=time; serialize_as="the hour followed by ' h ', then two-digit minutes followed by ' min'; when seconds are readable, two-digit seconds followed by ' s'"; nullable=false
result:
9 h 34 min
